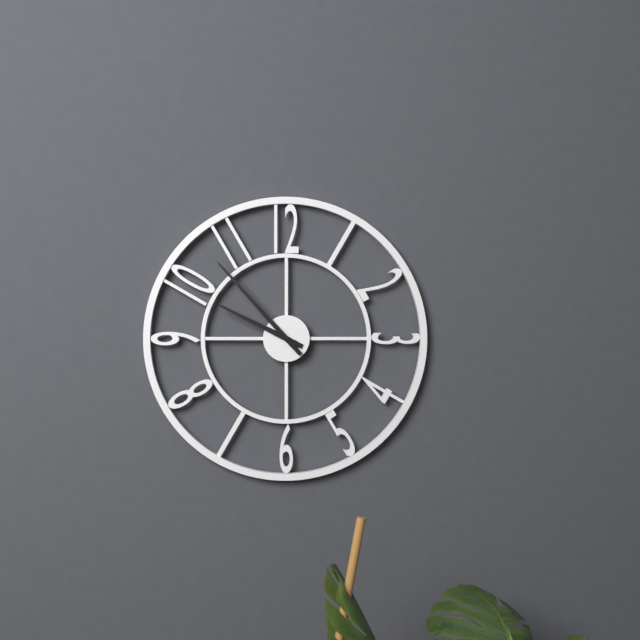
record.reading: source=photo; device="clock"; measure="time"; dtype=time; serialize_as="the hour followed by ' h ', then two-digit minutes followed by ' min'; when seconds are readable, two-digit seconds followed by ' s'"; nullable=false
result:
9 h 53 min
